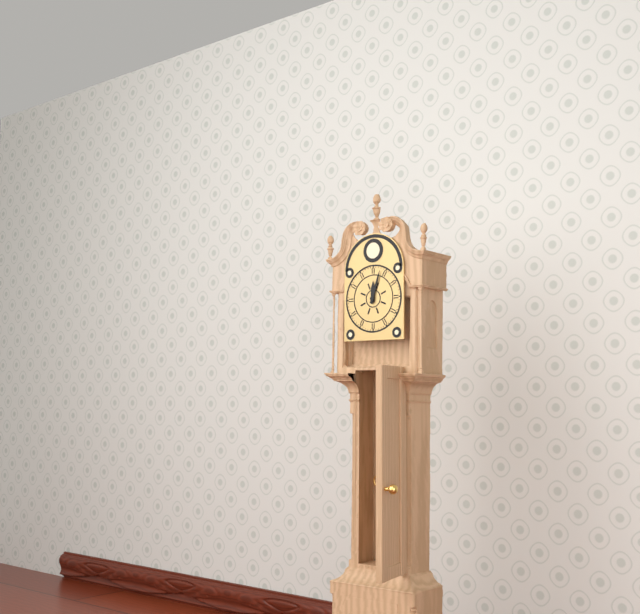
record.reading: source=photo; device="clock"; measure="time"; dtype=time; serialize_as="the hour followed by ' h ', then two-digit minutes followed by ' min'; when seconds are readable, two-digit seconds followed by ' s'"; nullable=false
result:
12 h 03 min
